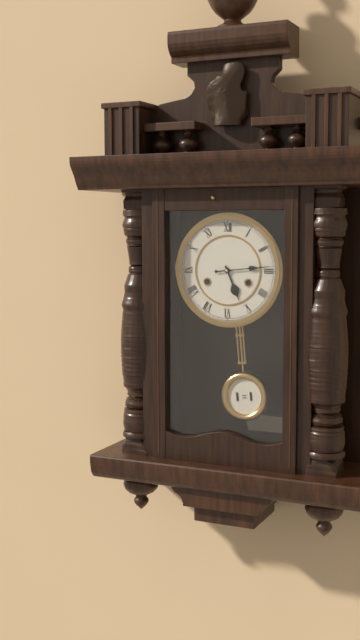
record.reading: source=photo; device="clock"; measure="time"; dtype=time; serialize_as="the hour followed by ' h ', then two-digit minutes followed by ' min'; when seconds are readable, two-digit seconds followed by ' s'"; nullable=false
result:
5 h 14 min
